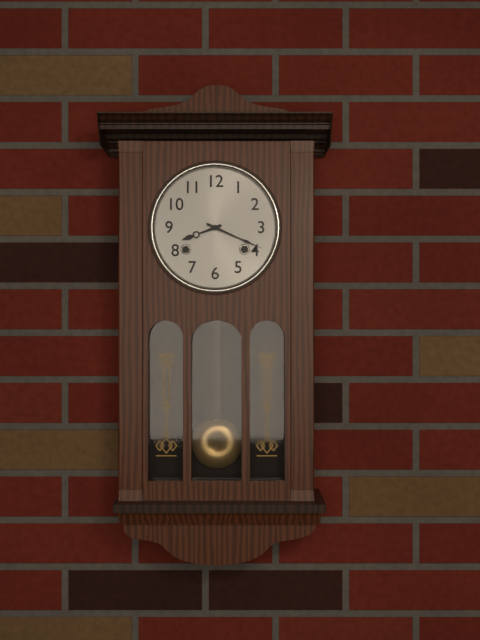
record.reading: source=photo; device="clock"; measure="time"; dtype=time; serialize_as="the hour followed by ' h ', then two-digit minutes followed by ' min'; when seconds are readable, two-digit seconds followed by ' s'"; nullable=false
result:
8 h 19 min
